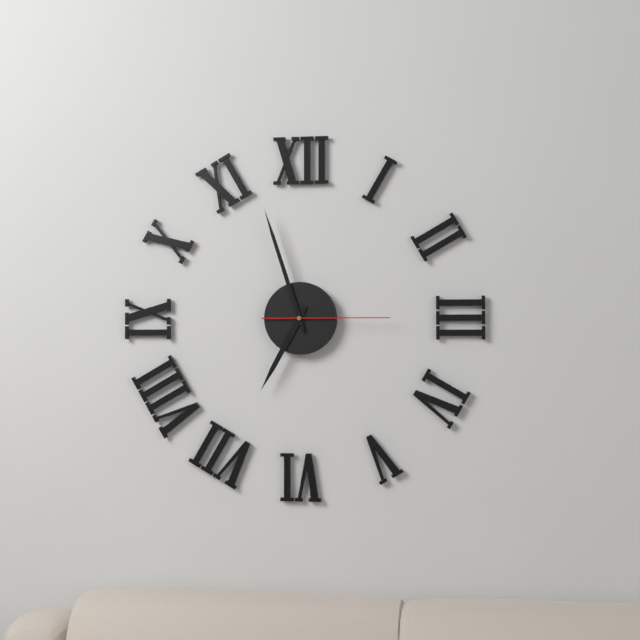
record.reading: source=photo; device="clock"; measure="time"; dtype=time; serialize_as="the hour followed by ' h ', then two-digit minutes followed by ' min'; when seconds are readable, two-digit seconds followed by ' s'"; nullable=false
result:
6 h 57 min 15 s
